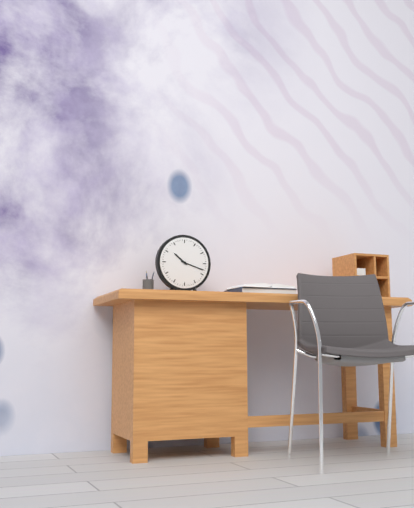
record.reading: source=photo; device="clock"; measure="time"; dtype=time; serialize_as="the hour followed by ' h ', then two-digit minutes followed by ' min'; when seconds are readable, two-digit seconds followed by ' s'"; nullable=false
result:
10 h 18 min
